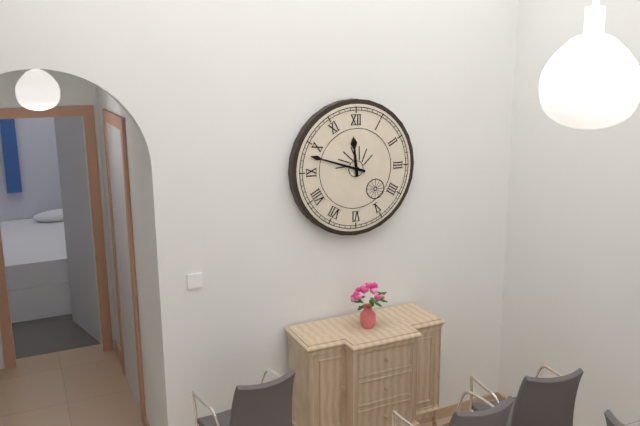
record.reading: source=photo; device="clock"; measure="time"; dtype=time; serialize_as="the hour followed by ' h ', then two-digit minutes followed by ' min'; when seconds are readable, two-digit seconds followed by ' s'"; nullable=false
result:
11 h 48 min
